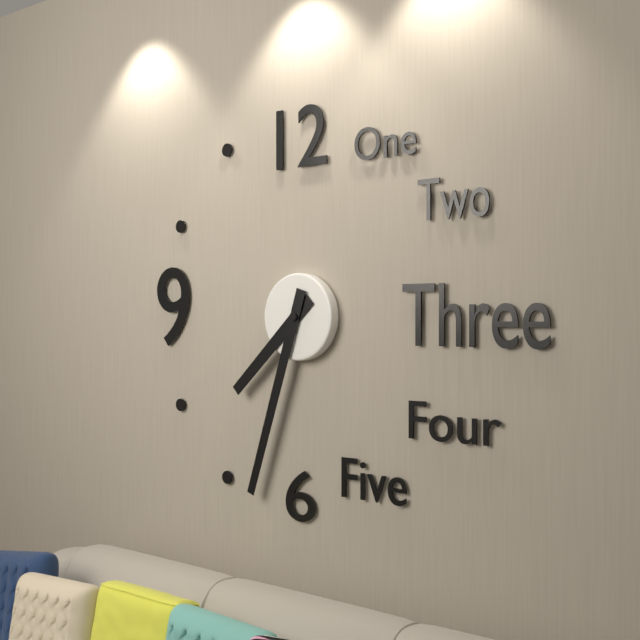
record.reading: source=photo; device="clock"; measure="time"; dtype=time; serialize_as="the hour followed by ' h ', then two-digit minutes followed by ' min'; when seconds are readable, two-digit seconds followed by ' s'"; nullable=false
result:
7 h 33 min
